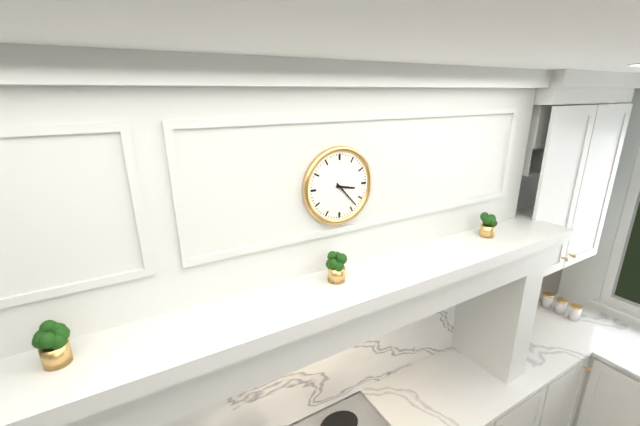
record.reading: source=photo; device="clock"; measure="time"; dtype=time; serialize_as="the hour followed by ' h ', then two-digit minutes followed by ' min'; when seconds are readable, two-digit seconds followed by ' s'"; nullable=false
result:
3 h 23 min
